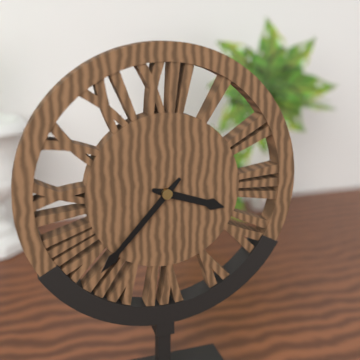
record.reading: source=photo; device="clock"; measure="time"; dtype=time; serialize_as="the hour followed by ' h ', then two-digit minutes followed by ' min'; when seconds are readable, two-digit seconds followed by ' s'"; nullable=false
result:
3 h 37 min
